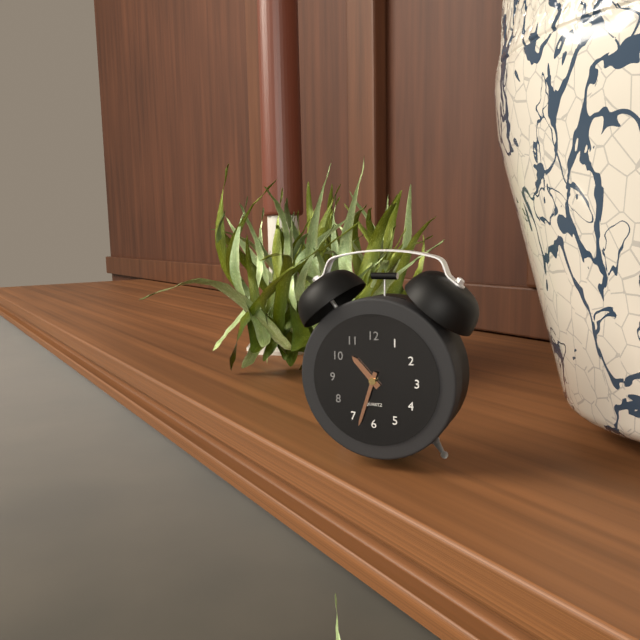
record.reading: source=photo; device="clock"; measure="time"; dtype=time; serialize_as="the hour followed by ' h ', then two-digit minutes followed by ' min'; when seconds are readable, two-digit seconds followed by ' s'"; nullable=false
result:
10 h 33 min
